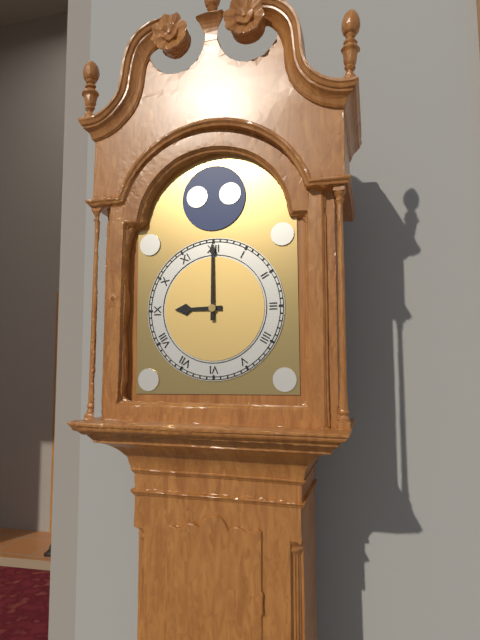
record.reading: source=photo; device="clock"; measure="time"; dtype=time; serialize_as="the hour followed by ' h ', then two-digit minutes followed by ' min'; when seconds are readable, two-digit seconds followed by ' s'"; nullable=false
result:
9 h 00 min
